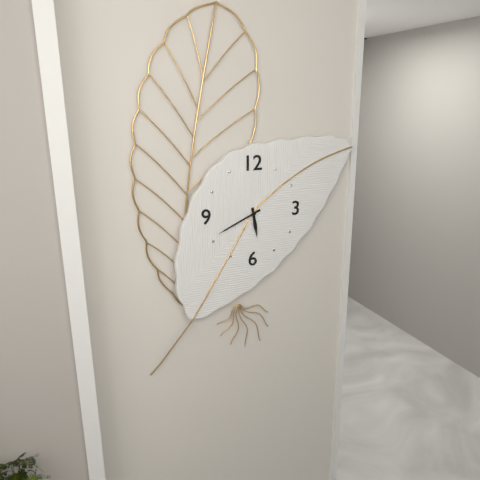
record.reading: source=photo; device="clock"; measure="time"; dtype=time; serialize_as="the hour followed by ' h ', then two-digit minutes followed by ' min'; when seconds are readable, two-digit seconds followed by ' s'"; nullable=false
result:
5 h 41 min
